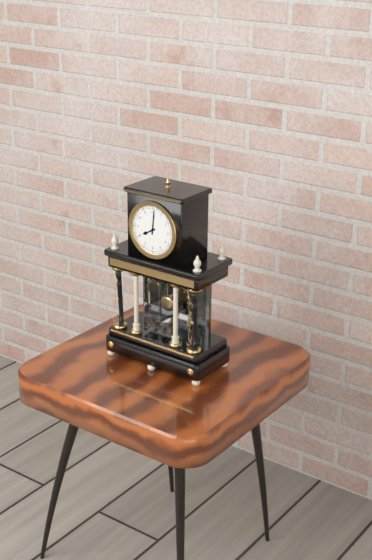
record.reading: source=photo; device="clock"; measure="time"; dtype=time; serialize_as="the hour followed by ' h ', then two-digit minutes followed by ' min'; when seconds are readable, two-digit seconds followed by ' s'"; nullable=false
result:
8 h 01 min
